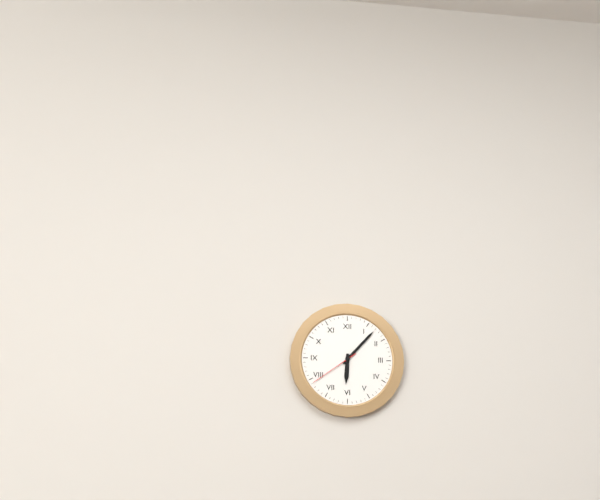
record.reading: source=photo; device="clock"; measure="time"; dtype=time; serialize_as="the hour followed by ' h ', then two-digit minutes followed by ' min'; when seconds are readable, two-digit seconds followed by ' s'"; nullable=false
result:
6 h 07 min 39 s
